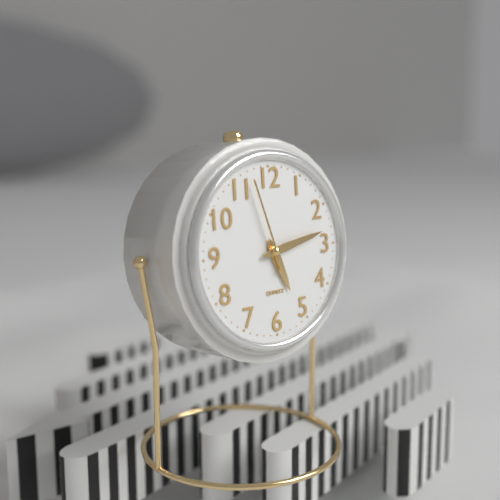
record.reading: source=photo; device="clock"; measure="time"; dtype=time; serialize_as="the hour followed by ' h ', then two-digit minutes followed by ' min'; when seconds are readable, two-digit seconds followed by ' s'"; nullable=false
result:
5 h 13 min 57 s
